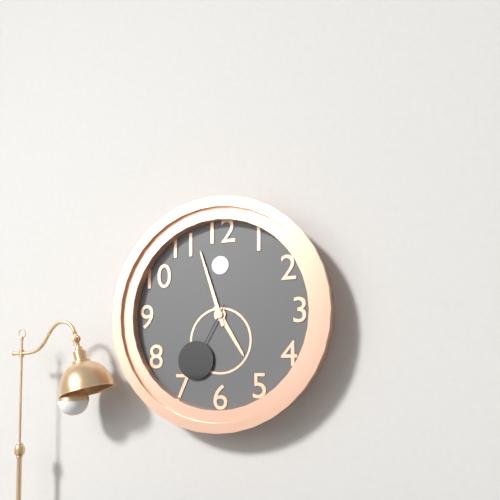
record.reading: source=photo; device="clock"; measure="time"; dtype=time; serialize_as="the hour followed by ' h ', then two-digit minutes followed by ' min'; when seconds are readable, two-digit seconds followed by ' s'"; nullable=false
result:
4 h 57 min 35 s
